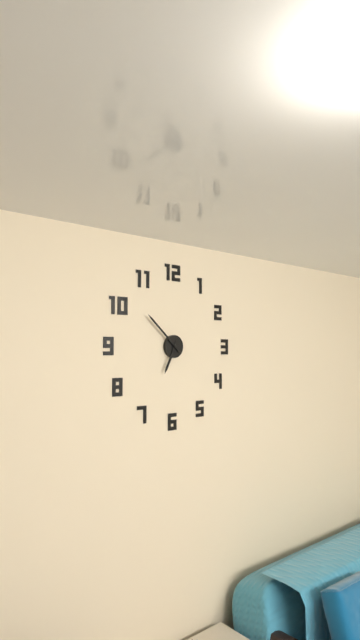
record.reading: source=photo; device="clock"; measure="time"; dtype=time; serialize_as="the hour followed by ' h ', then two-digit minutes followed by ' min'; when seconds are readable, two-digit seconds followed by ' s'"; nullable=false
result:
6 h 52 min
